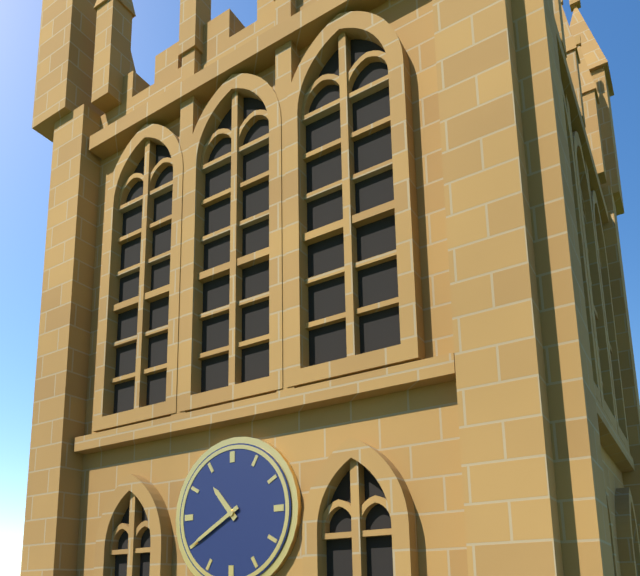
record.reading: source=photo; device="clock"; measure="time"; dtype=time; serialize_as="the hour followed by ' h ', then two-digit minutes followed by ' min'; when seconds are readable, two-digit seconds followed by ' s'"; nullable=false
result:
10 h 40 min
